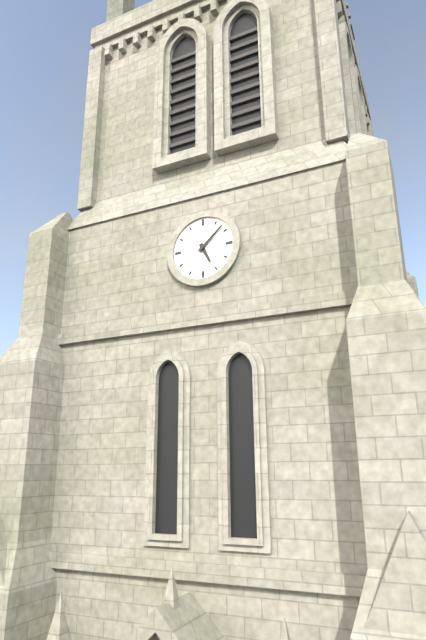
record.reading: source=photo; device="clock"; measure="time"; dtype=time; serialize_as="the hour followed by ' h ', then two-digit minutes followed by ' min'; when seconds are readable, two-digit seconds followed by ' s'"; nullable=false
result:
5 h 08 min
